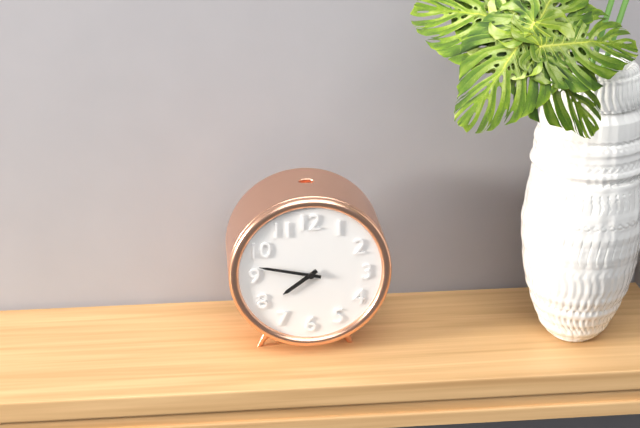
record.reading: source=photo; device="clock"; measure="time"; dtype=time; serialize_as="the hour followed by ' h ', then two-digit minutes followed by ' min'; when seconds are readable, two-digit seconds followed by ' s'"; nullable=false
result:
7 h 47 min
